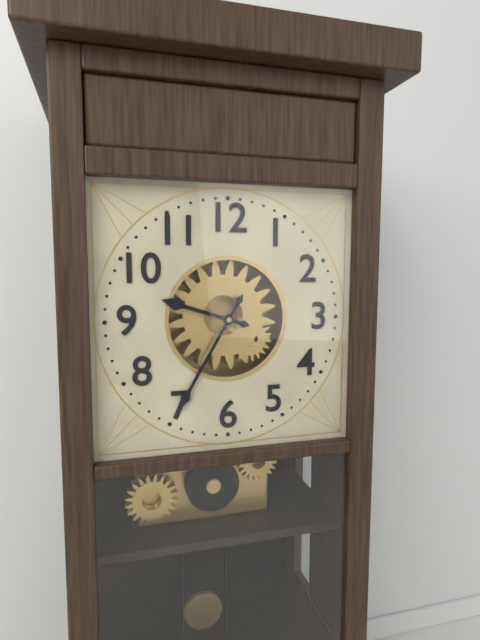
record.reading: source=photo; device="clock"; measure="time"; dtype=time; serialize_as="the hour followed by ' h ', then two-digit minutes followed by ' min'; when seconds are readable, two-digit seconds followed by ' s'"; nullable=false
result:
9 h 35 min
